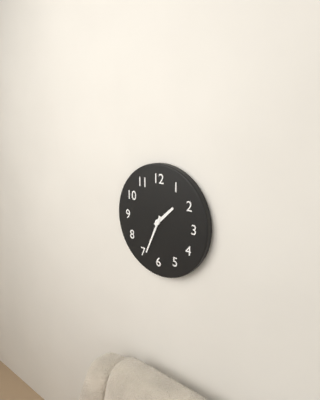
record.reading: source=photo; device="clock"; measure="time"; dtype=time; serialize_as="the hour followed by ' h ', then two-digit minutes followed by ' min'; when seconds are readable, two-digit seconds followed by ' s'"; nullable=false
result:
1 h 34 min
